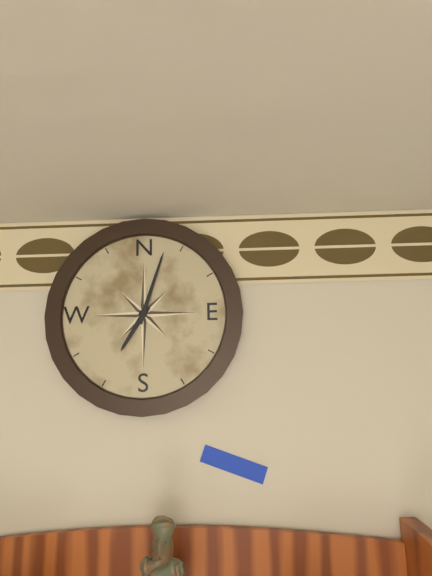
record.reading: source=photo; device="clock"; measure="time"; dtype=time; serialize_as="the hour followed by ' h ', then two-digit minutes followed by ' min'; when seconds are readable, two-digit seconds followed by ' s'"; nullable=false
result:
7 h 03 min
